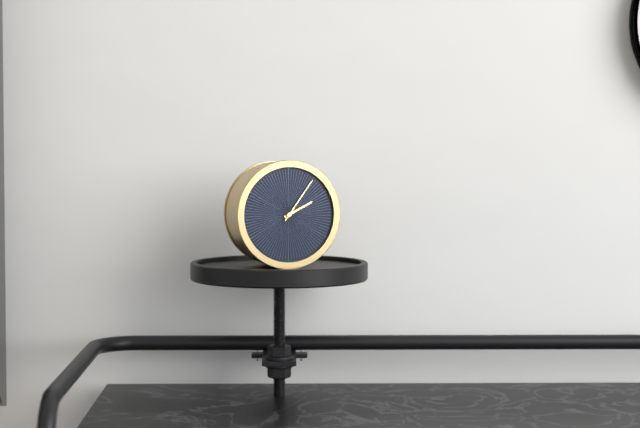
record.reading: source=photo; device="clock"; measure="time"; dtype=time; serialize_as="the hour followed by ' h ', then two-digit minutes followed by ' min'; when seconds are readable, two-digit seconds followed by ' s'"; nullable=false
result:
2 h 06 min
